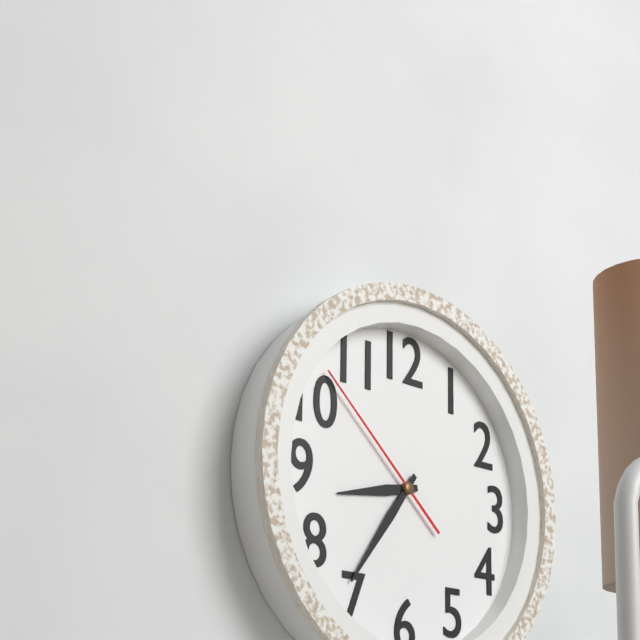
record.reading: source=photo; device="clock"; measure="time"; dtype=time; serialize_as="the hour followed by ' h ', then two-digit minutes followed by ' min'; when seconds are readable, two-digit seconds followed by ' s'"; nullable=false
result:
8 h 36 min 52 s
